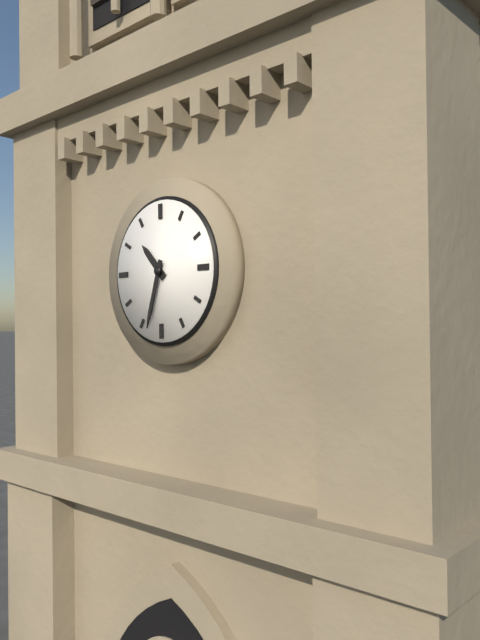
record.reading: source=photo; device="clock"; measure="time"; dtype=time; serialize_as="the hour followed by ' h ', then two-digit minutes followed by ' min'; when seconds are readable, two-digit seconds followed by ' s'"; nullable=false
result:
10 h 33 min
